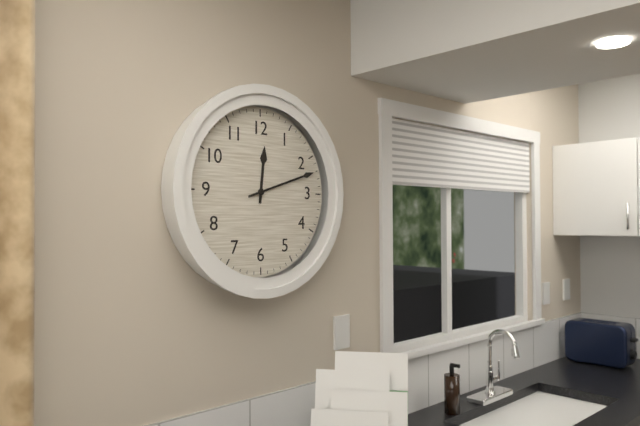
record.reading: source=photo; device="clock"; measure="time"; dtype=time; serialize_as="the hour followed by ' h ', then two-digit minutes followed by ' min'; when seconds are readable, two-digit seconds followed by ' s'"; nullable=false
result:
12 h 12 min
